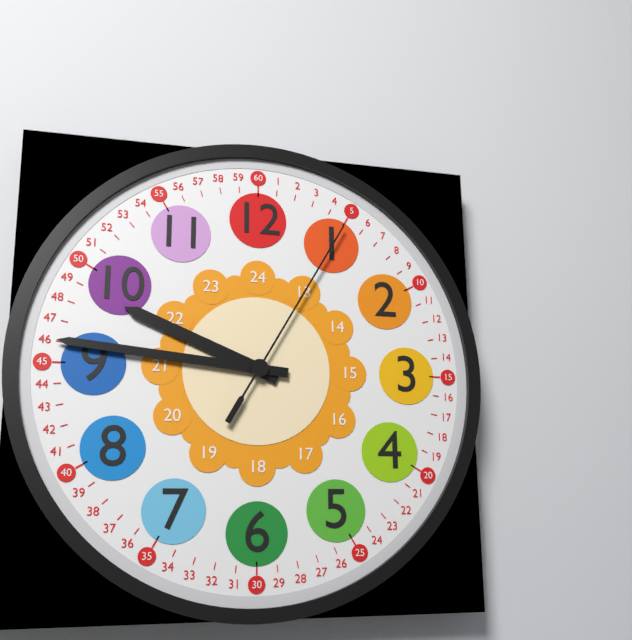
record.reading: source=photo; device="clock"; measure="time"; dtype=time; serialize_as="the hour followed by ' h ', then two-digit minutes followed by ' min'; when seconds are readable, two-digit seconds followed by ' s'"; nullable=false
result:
9 h 46 min 05 s
